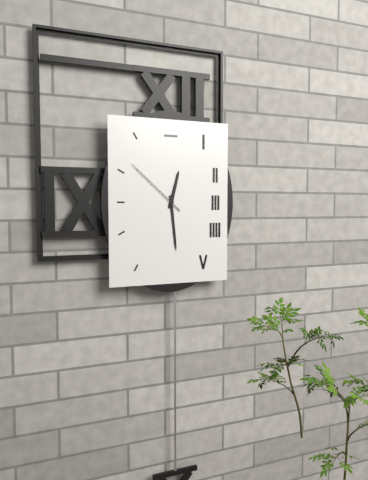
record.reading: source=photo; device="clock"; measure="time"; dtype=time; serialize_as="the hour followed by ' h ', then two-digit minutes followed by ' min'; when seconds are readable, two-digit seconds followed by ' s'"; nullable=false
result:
12 h 29 min 52 s
